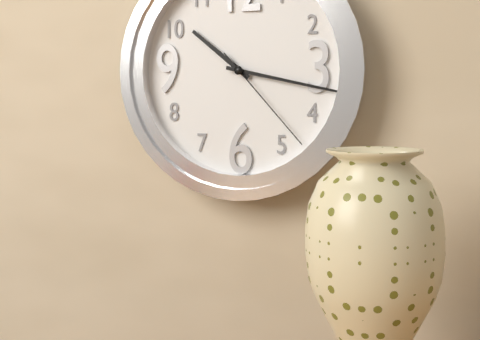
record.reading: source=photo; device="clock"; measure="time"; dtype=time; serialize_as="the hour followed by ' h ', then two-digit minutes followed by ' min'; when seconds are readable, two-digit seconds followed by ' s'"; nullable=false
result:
10 h 17 min 23 s
